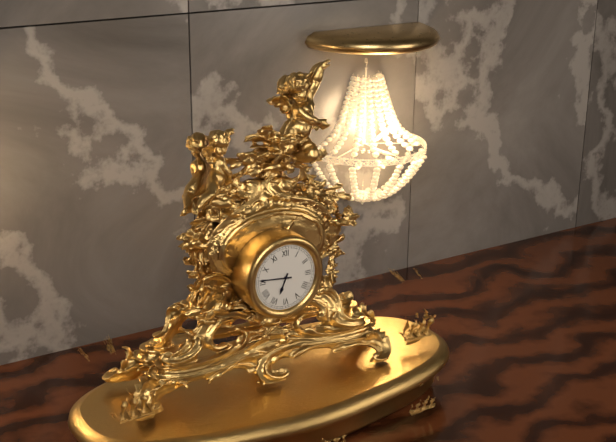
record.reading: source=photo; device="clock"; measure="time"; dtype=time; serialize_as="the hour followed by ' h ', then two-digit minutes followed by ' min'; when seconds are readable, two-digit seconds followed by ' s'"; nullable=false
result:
6 h 46 min
